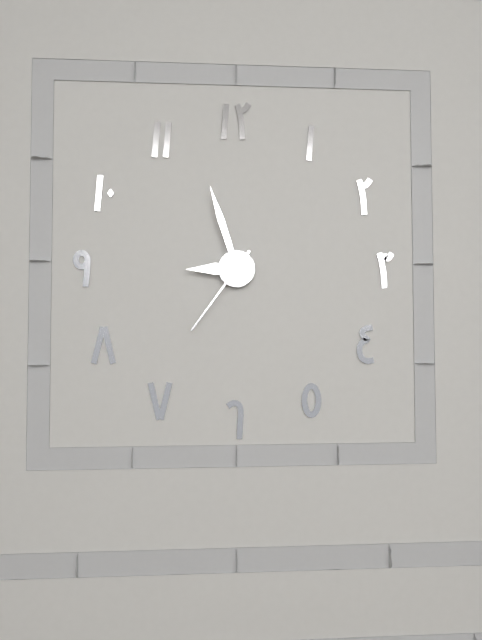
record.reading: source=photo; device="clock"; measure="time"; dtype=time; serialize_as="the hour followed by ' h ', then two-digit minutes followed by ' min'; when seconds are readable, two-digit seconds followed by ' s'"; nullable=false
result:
8 h 57 min 36 s
